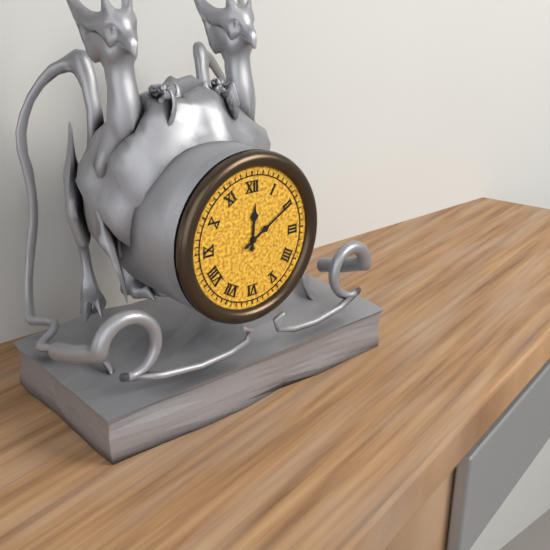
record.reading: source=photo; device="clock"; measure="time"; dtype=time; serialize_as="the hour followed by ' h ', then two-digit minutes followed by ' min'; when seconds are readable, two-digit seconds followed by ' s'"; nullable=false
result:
12 h 10 min
